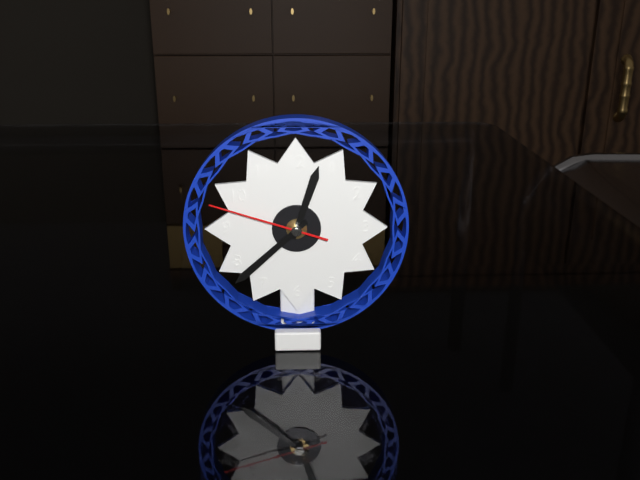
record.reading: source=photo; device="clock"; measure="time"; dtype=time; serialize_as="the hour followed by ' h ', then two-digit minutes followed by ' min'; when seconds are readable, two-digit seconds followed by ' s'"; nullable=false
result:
12 h 38 min 48 s
